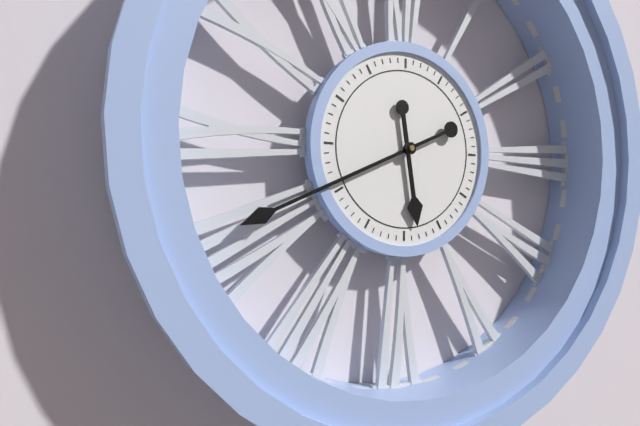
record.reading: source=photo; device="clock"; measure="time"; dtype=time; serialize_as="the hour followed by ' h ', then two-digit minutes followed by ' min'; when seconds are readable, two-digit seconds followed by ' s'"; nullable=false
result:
5 h 41 min
